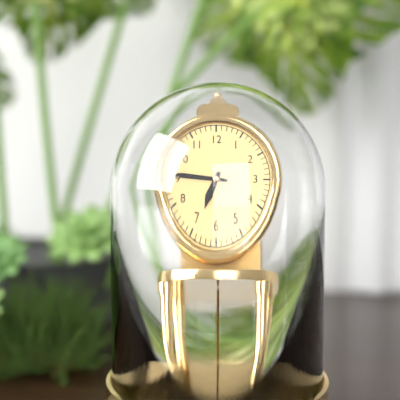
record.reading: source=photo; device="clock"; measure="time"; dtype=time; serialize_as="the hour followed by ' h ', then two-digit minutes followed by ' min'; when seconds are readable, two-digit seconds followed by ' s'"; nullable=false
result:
6 h 46 min
